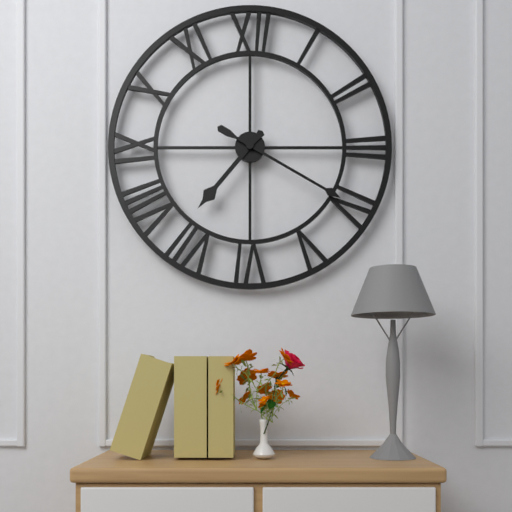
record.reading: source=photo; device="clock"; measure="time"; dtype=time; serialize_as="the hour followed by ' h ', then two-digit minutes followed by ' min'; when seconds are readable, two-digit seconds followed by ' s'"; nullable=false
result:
7 h 20 min
